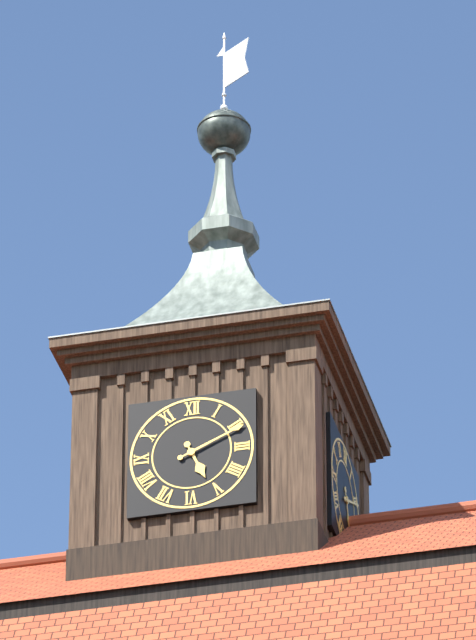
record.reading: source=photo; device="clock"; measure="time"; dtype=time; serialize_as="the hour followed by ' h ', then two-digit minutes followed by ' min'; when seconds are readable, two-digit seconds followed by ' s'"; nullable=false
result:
5 h 11 min
